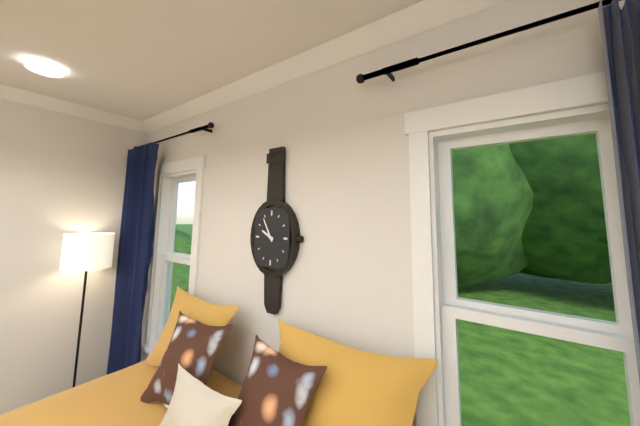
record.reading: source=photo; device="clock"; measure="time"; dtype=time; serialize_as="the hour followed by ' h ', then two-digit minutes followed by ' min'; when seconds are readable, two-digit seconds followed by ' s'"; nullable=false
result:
9 h 55 min
